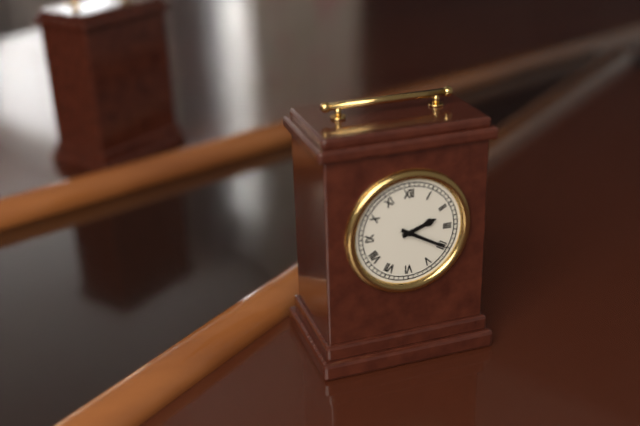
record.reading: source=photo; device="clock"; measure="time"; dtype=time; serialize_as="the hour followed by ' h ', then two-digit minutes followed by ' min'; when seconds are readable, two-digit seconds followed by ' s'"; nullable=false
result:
2 h 20 min
